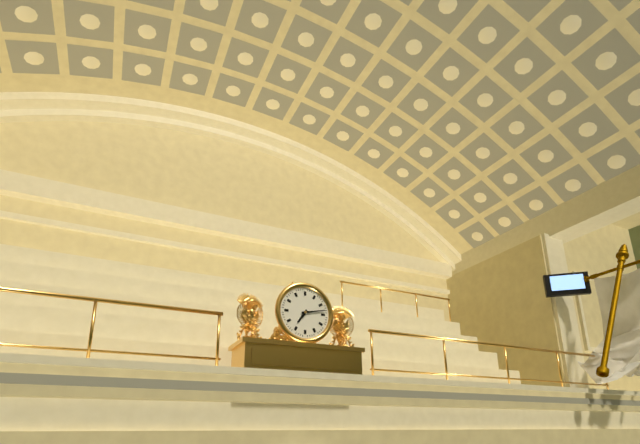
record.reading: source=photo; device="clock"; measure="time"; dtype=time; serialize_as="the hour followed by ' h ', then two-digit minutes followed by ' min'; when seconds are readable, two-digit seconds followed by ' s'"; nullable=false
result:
7 h 13 min
